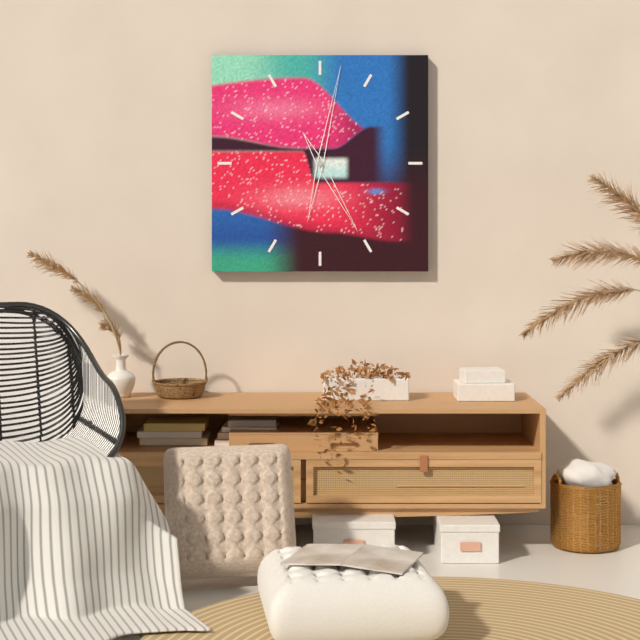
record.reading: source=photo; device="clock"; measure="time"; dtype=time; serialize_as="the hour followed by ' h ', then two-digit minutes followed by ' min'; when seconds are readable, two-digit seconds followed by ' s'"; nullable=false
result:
5 h 02 min
